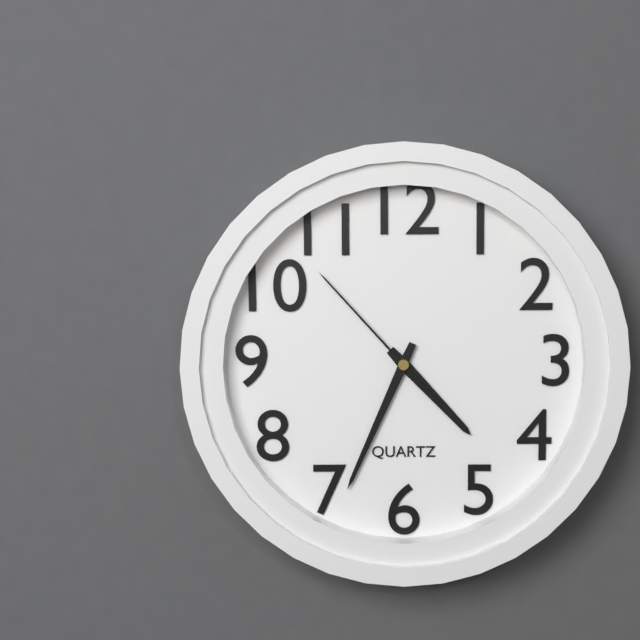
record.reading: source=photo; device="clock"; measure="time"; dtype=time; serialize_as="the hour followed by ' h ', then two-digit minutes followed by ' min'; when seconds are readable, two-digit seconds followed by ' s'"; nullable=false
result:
4 h 34 min 53 s
